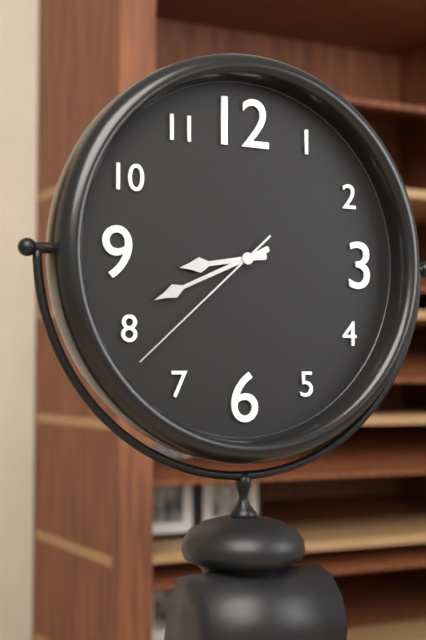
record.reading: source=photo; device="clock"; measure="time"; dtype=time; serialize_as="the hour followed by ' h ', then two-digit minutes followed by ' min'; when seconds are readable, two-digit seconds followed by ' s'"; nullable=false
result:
8 h 41 min 38 s
